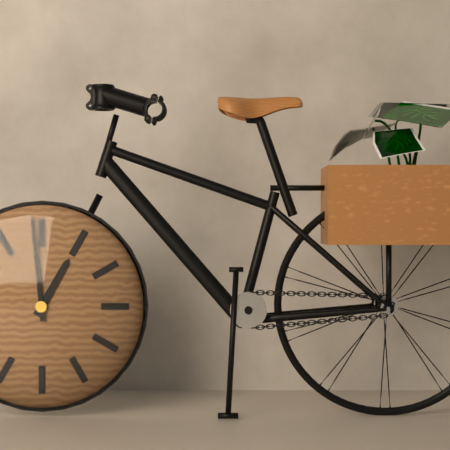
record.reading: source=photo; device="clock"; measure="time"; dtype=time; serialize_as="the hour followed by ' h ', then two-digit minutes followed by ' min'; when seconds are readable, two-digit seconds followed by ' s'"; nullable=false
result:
12 h 59 min
